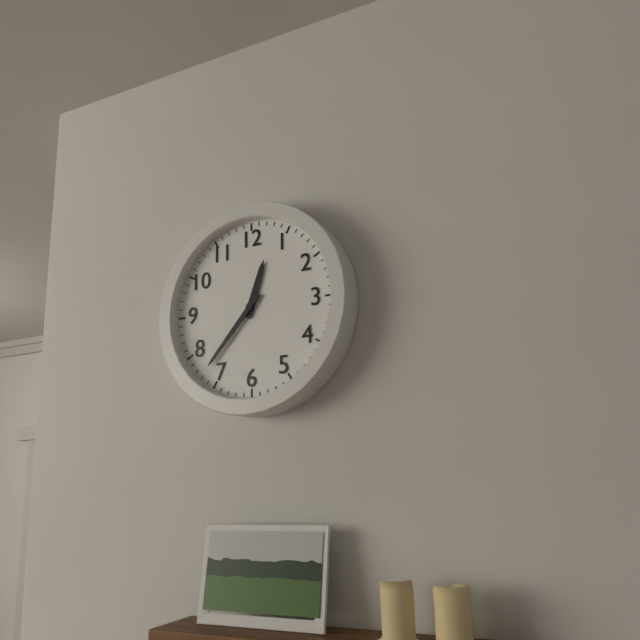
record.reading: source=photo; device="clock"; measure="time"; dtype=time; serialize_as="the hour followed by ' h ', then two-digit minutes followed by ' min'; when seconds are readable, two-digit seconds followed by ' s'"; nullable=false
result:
12 h 37 min
